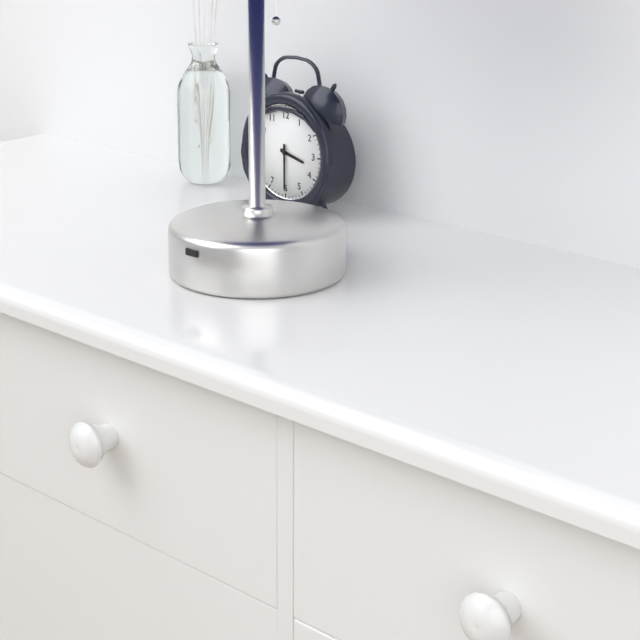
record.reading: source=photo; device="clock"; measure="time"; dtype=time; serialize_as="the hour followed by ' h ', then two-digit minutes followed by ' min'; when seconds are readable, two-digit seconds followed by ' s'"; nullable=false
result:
3 h 30 min
